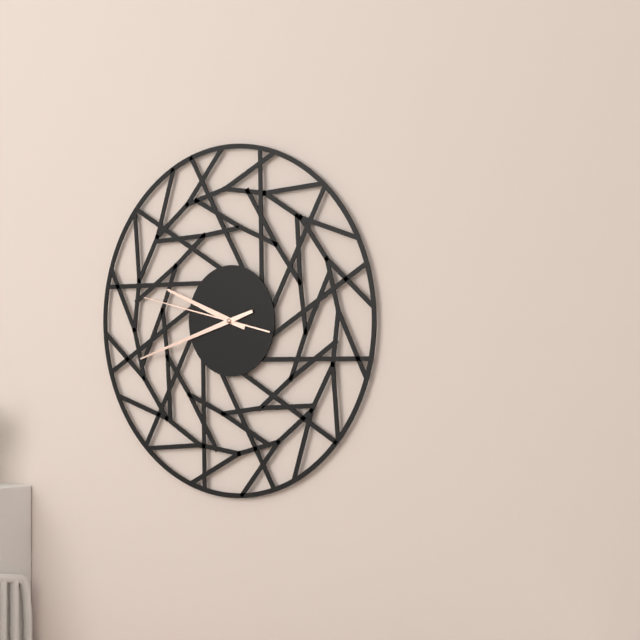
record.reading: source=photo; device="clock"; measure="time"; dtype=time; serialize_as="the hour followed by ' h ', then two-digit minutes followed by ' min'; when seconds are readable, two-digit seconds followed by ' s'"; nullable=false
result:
9 h 42 min 47 s
